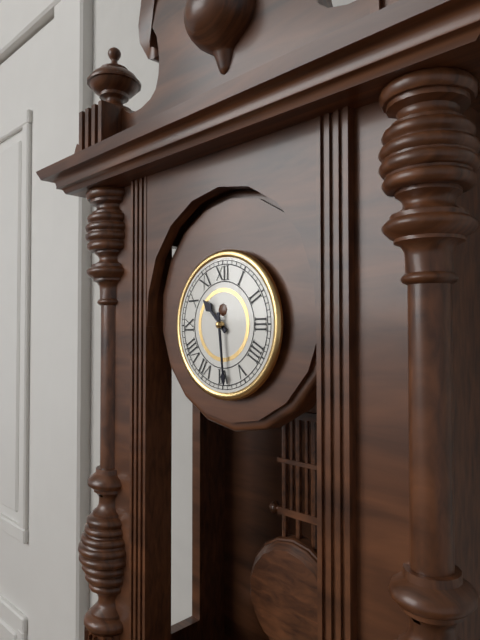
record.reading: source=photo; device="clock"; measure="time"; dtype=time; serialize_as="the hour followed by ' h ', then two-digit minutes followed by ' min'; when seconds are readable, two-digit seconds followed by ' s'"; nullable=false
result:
10 h 29 min
